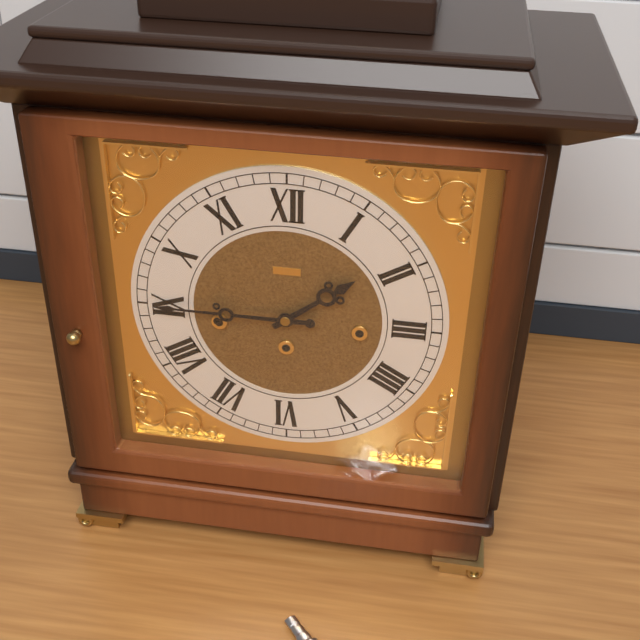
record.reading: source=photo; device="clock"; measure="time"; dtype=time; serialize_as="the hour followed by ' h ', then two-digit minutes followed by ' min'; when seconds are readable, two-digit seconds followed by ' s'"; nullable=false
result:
1 h 45 min
